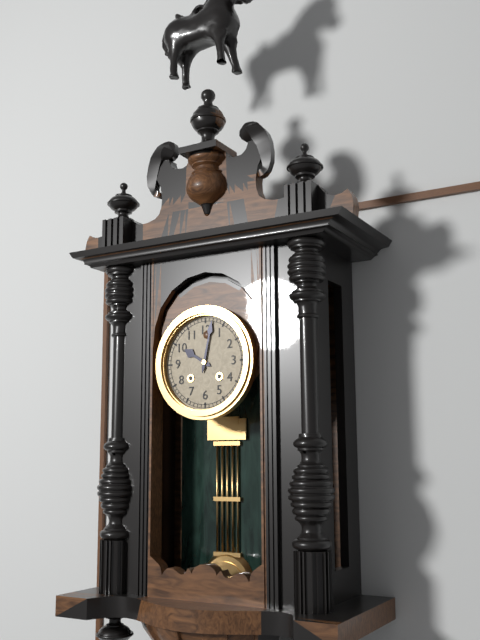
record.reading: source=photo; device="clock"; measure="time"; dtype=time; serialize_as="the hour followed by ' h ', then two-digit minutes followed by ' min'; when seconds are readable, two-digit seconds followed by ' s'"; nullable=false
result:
10 h 02 min
